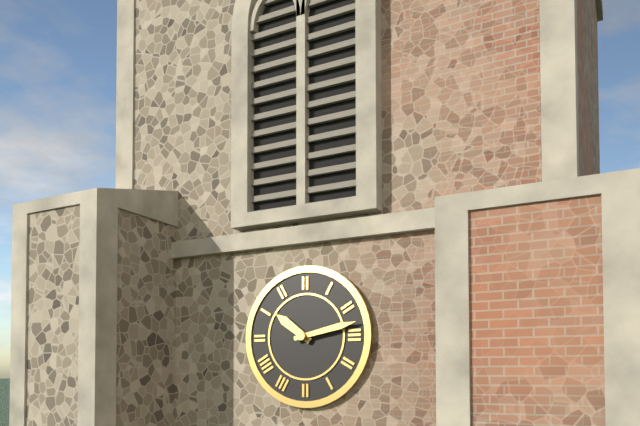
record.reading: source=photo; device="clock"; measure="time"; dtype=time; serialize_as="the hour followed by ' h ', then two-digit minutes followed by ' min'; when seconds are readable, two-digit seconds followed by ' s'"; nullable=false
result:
10 h 13 min
